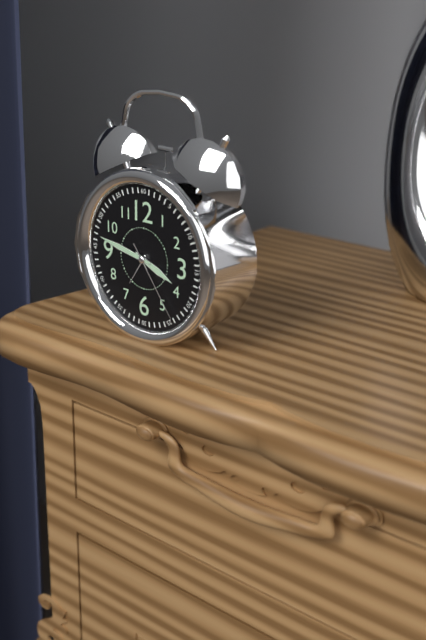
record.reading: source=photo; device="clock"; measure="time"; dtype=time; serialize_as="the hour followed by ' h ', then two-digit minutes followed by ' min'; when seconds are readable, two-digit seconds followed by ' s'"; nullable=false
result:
3 h 47 min 24 s
